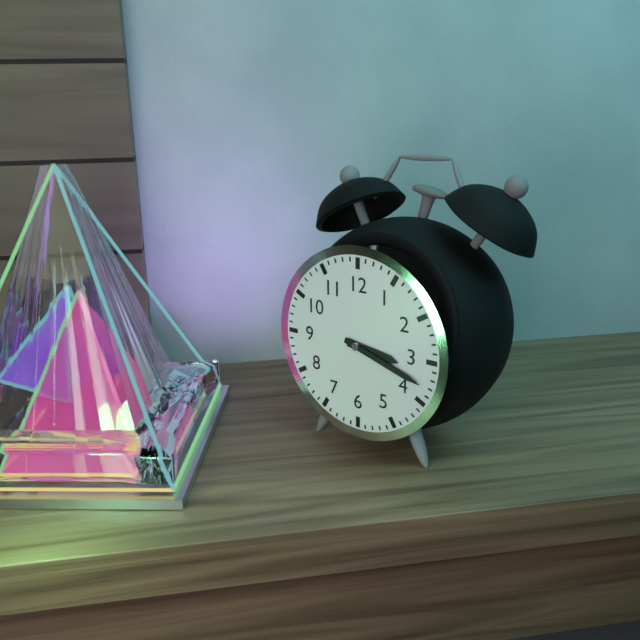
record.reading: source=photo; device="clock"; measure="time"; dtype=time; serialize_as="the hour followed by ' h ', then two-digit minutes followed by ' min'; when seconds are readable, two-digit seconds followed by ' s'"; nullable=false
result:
3 h 18 min
